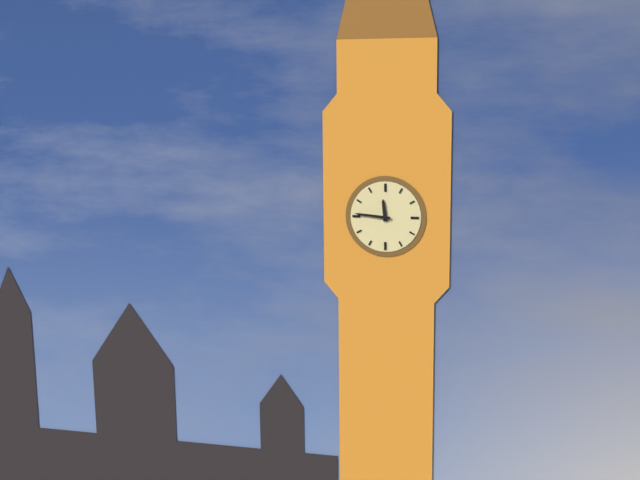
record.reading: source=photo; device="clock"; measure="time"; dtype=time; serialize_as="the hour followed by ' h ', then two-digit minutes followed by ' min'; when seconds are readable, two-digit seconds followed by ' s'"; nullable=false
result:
11 h 46 min
